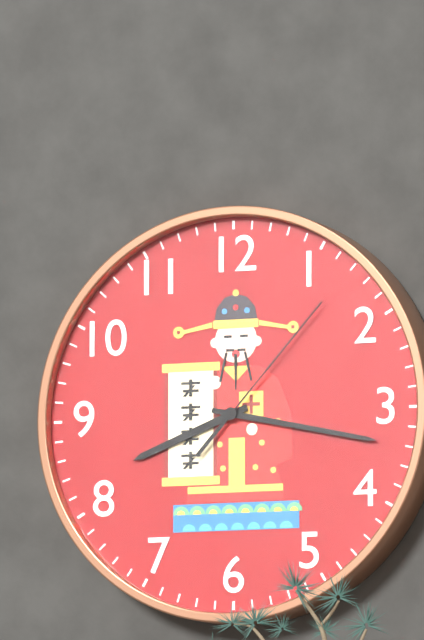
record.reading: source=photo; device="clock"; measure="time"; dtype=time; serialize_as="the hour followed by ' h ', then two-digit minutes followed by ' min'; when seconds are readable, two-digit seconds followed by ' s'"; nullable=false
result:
8 h 17 min 07 s
